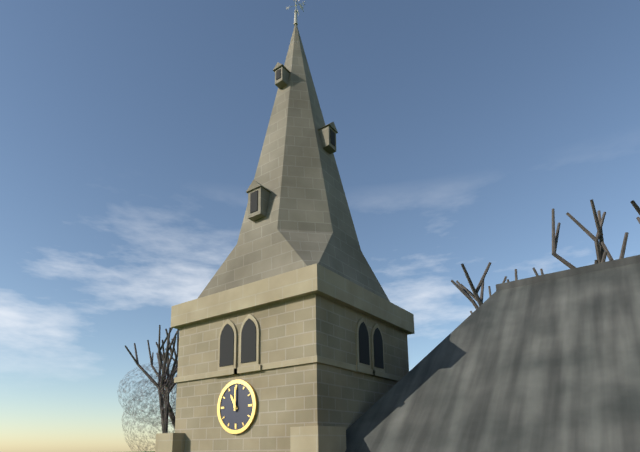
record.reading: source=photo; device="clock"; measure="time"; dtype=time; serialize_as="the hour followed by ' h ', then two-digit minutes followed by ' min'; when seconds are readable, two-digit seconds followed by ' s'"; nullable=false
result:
11 h 00 min
